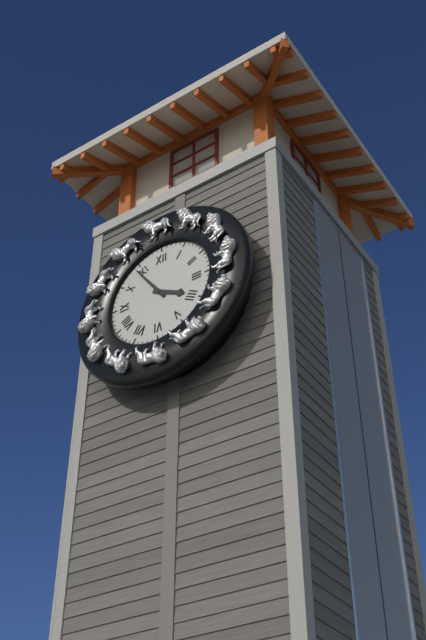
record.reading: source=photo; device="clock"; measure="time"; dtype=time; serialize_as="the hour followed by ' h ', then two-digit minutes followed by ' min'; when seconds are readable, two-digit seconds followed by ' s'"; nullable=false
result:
3 h 54 min
